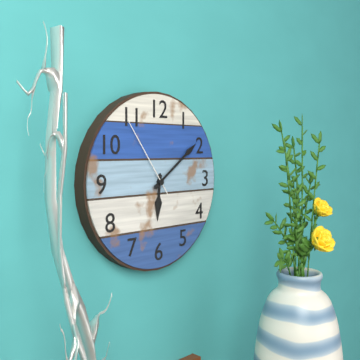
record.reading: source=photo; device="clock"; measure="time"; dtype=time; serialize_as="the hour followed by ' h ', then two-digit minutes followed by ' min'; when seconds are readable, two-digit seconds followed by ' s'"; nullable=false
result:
6 h 09 min 54 s
